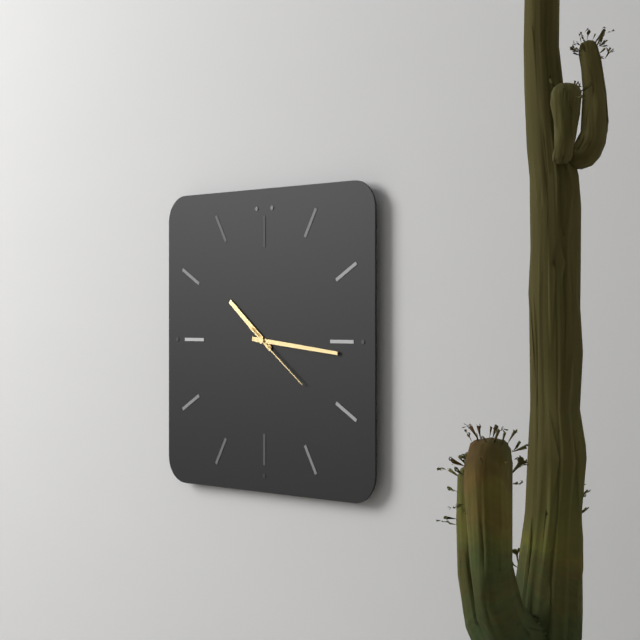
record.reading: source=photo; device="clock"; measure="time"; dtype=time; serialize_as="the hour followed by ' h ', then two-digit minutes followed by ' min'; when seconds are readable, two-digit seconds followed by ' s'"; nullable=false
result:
10 h 16 min 21 s
